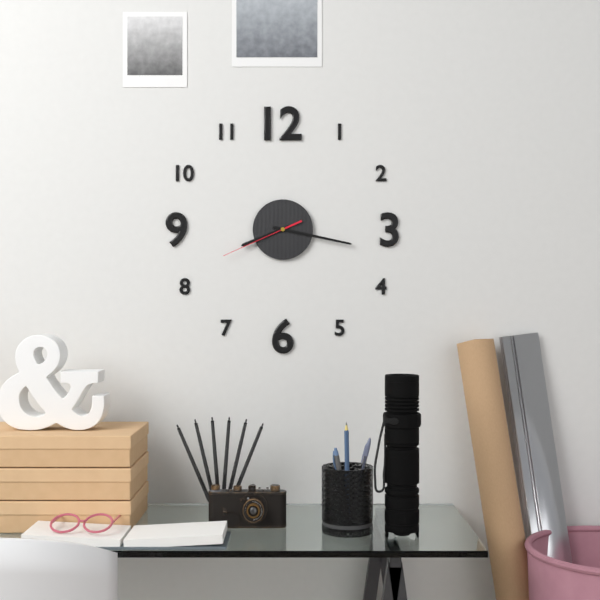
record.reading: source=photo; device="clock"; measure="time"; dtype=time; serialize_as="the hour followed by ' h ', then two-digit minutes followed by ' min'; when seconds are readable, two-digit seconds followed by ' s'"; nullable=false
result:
8 h 17 min 41 s
